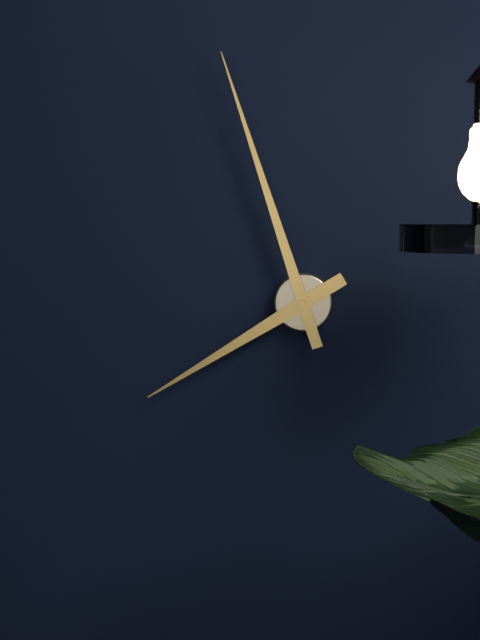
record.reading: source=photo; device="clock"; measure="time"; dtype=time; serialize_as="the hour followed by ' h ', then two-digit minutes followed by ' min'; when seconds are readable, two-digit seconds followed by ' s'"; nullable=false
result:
7 h 57 min
